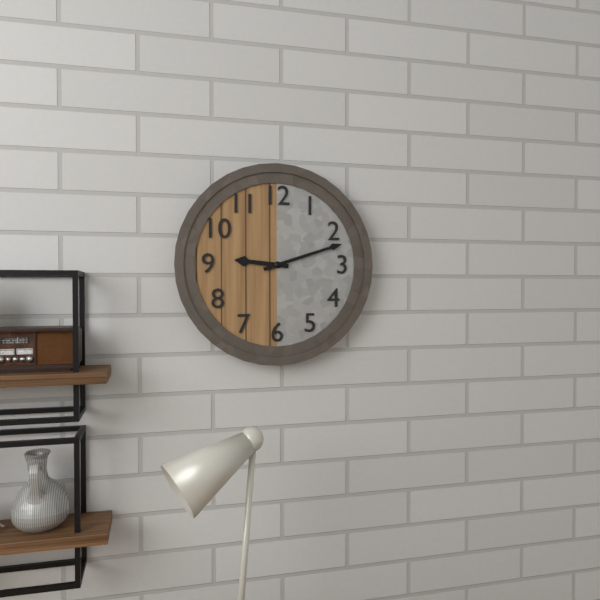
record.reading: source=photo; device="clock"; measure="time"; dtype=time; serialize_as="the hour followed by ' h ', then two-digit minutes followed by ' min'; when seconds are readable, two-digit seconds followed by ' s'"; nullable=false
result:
9 h 12 min
